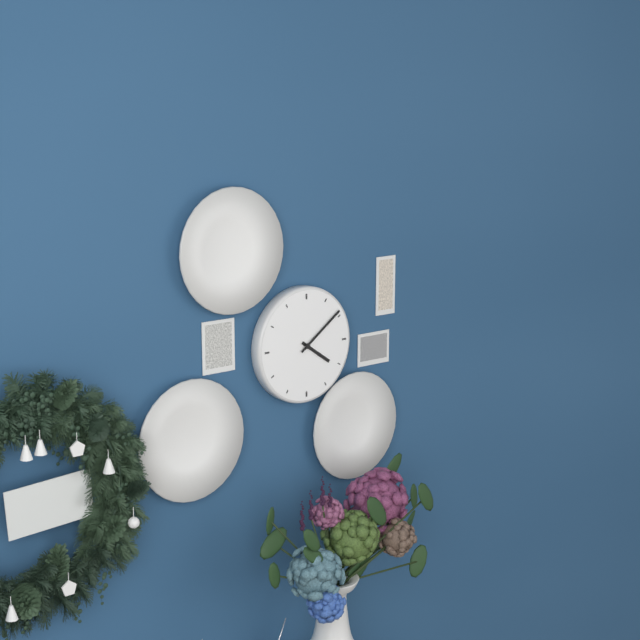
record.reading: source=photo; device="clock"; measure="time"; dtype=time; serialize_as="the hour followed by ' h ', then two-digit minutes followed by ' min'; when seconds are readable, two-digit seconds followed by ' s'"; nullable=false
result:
4 h 09 min
